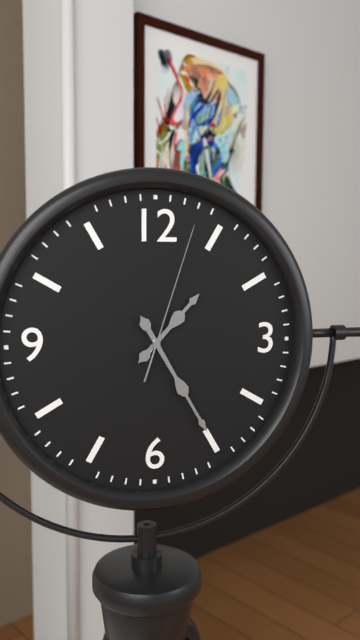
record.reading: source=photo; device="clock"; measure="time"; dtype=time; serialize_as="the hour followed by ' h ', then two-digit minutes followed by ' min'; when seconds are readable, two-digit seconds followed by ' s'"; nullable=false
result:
1 h 25 min 03 s
